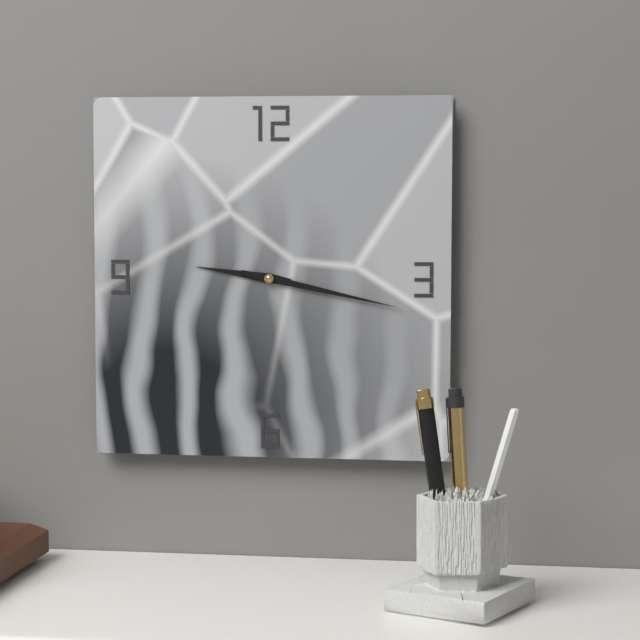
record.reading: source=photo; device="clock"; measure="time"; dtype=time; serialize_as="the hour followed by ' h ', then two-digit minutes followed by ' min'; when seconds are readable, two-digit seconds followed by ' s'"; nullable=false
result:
9 h 17 min
